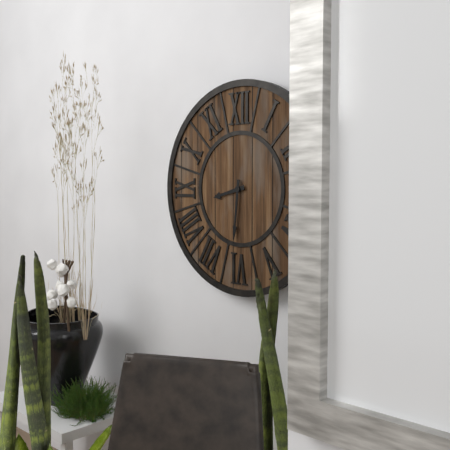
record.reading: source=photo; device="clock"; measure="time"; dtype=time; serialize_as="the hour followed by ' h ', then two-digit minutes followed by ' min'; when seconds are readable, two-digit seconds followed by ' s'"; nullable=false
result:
8 h 31 min
